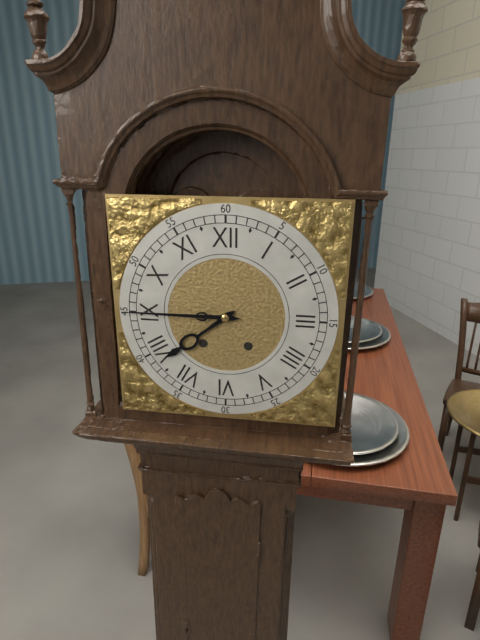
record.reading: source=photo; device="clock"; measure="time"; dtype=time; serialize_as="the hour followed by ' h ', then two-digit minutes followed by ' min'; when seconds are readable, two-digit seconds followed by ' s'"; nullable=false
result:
7 h 45 min
